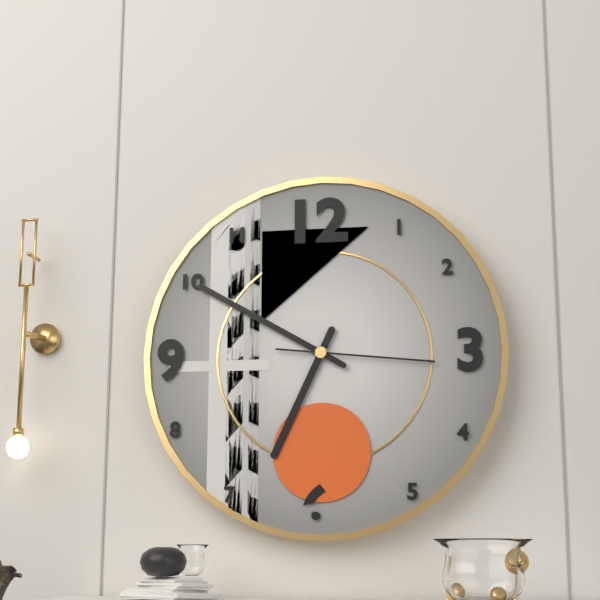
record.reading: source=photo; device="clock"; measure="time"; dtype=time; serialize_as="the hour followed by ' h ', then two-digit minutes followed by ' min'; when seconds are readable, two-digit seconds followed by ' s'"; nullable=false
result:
6 h 50 min 16 s
